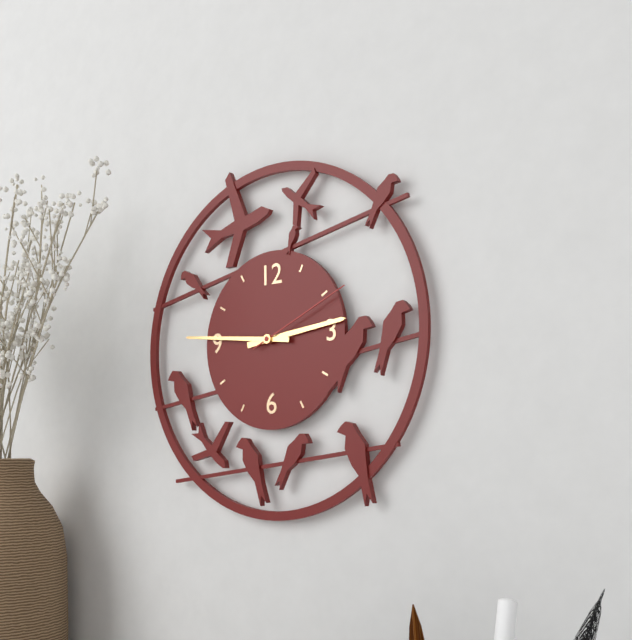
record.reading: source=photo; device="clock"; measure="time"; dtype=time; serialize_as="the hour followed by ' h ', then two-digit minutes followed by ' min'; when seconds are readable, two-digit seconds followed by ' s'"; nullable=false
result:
2 h 46 min 11 s
